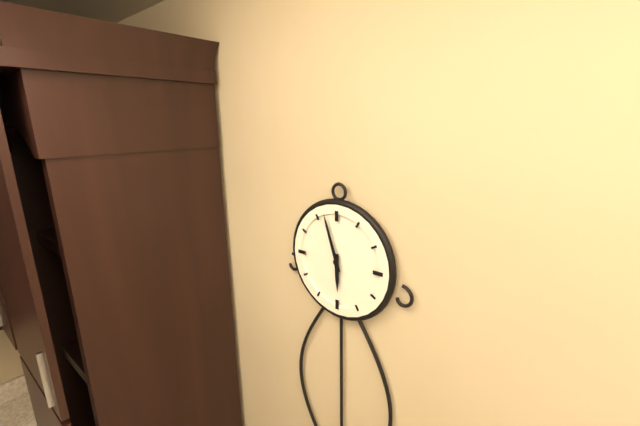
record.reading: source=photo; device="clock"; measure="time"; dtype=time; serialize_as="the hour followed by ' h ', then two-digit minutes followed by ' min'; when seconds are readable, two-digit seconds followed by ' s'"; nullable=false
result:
5 h 57 min
